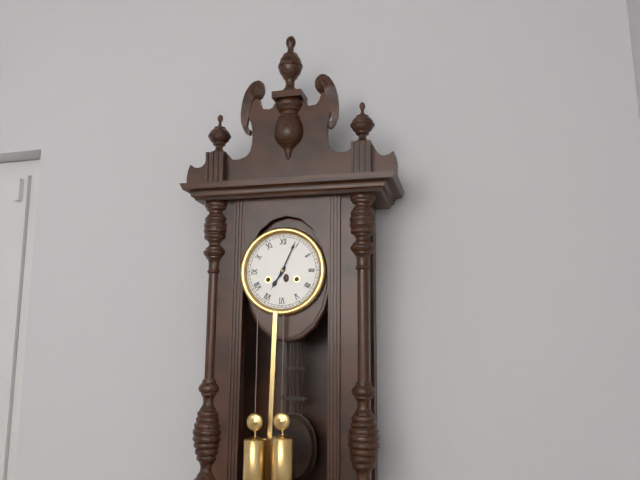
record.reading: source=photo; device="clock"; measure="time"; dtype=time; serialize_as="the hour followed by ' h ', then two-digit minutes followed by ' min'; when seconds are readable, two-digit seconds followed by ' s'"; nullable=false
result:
7 h 04 min
